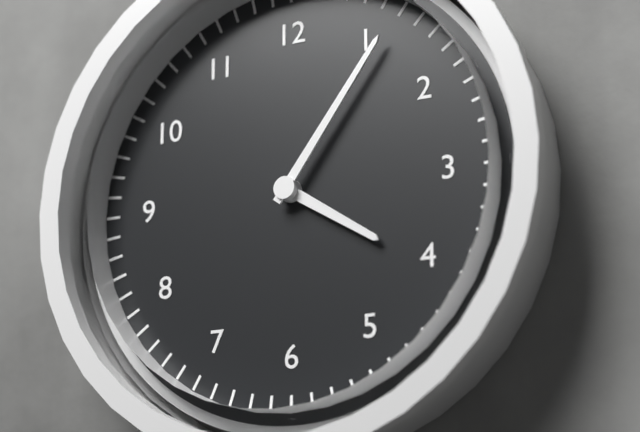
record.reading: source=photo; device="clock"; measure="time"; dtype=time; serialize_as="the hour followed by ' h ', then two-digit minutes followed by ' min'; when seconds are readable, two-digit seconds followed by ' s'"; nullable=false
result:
4 h 06 min
